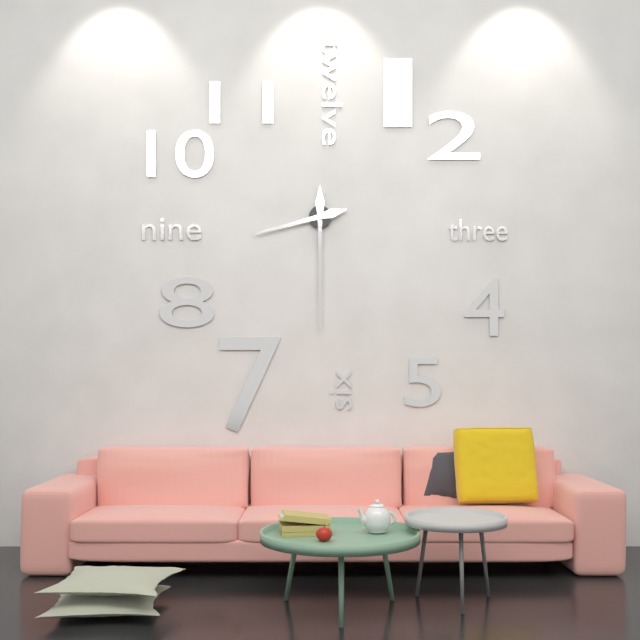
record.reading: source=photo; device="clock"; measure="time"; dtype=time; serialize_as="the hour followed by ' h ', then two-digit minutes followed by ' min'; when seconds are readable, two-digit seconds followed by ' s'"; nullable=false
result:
8 h 30 min
